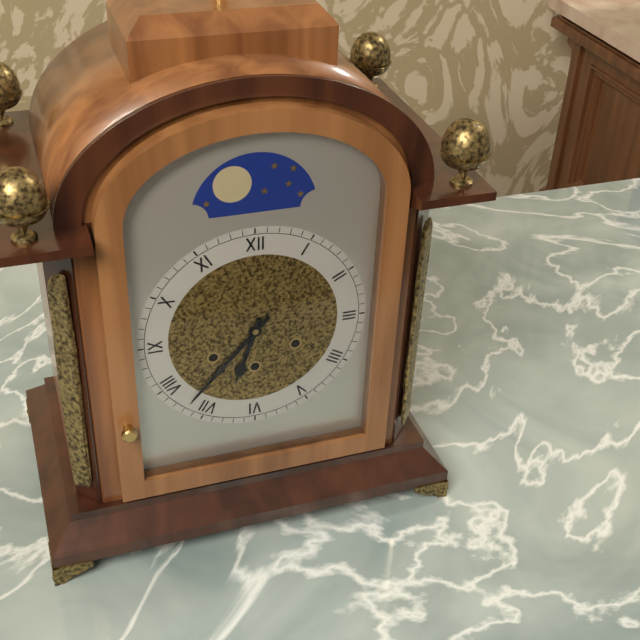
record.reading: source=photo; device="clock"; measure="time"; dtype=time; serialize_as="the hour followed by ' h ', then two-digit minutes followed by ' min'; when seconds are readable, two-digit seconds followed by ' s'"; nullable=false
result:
6 h 37 min
